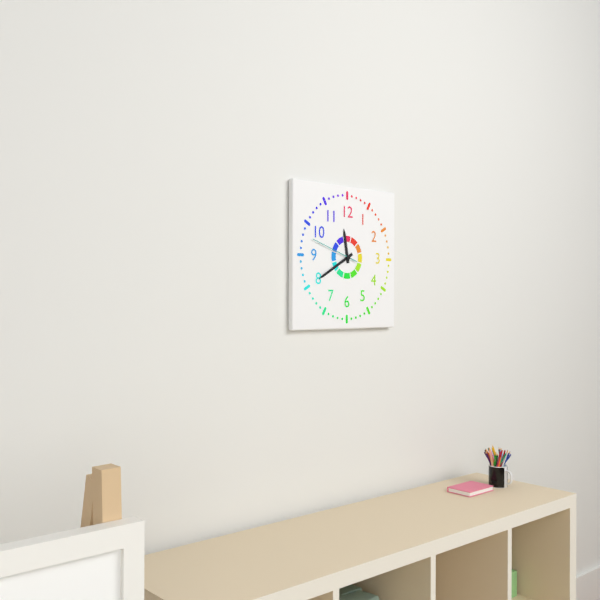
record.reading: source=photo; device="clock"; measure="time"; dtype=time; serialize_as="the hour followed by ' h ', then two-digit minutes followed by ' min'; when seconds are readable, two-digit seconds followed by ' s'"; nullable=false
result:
11 h 40 min
